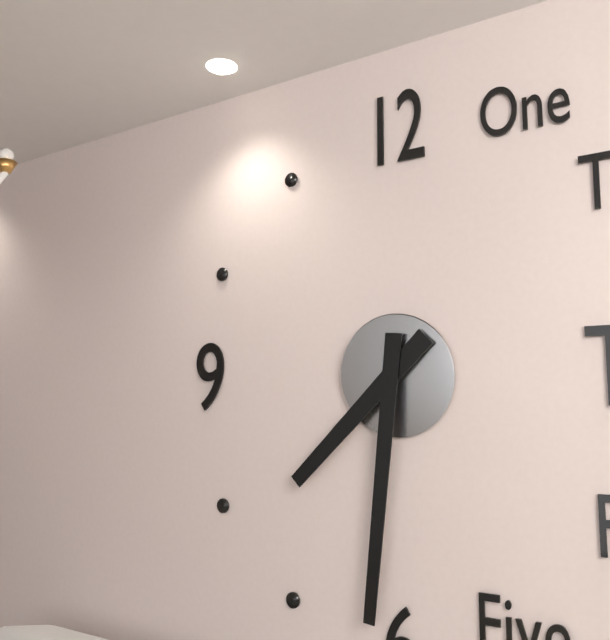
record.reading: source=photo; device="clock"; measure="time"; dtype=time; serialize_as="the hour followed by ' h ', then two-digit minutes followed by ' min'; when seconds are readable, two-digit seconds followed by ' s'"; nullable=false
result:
7 h 31 min
